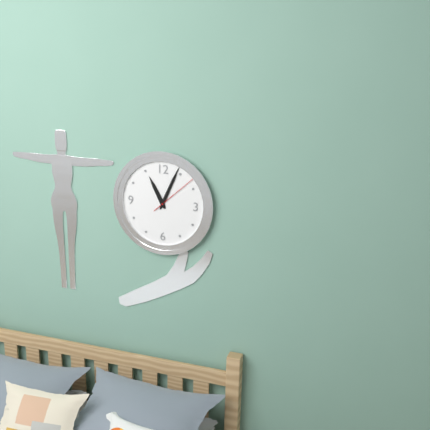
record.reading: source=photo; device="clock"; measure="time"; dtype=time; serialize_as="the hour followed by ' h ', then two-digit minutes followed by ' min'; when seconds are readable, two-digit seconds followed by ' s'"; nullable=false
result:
11 h 04 min 08 s
